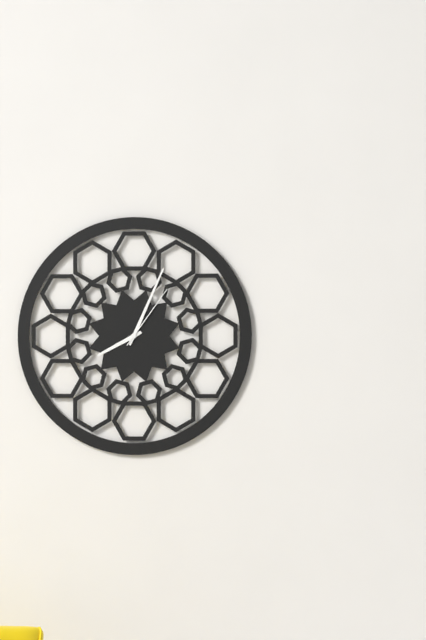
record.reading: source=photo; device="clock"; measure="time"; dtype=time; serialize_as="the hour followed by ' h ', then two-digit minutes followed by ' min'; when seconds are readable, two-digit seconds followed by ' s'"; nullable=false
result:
8 h 04 min 06 s
